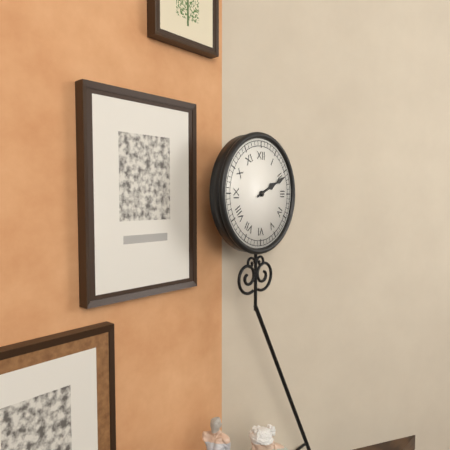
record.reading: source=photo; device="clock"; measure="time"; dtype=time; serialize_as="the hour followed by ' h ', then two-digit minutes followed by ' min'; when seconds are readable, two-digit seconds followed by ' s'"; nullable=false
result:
2 h 11 min
